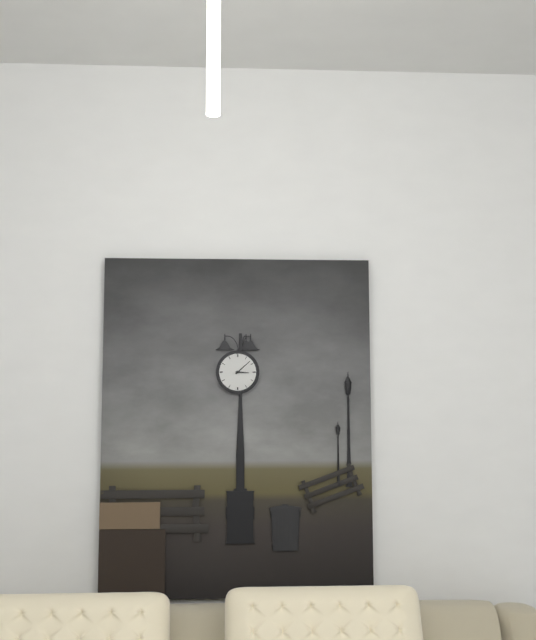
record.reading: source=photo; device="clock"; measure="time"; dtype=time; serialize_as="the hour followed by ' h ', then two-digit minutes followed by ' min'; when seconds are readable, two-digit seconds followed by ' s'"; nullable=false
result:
3 h 08 min
